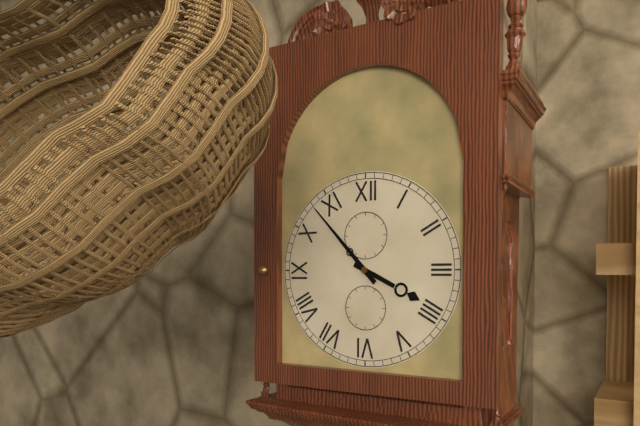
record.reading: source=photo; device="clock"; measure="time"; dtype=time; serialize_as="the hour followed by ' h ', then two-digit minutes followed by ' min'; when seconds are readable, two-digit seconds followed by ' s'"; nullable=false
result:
3 h 53 min
